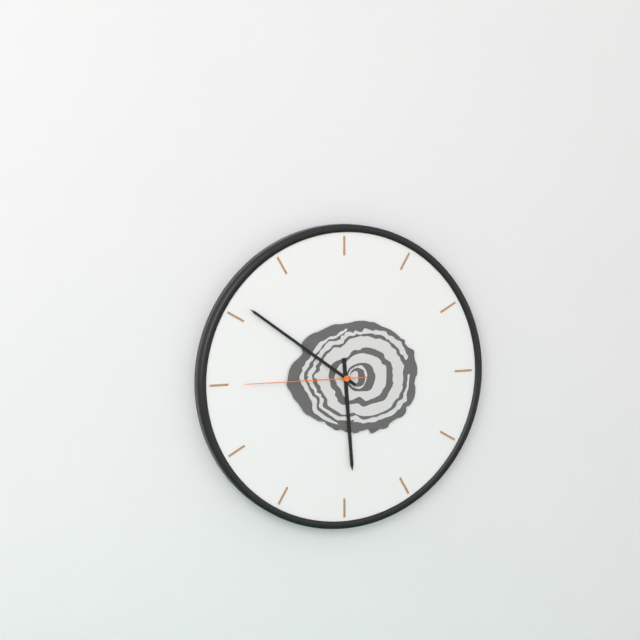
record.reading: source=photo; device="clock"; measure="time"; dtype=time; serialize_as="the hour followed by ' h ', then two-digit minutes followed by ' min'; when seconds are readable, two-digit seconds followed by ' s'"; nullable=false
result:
5 h 51 min 45 s
